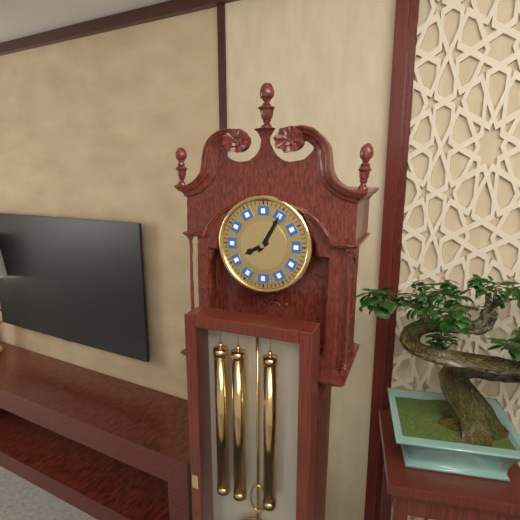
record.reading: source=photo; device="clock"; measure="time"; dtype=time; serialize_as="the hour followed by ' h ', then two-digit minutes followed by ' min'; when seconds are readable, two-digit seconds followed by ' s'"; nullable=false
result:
8 h 05 min
